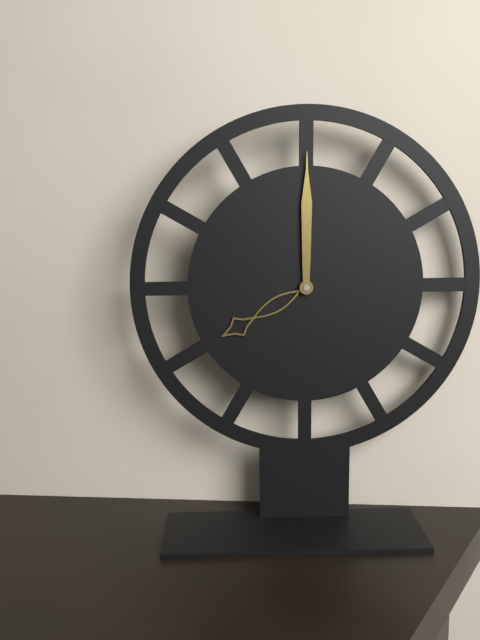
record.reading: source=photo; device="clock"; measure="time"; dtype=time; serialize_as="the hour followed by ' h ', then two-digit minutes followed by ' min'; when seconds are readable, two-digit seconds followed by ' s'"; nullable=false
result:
8 h 00 min
